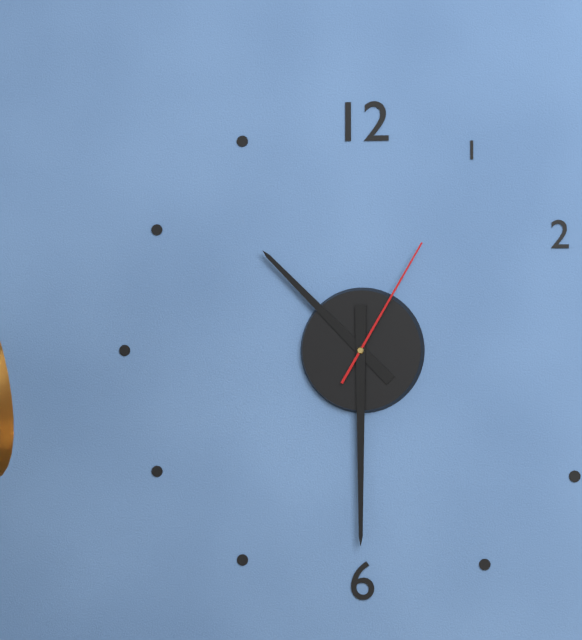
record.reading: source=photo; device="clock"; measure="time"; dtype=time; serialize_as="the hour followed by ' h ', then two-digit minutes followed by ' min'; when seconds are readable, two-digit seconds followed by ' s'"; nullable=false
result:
10 h 30 min 05 s
